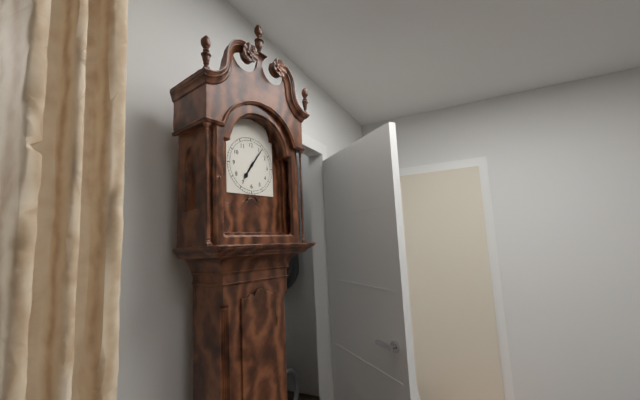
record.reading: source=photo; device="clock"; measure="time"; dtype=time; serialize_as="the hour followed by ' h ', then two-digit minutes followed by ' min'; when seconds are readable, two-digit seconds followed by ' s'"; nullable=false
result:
7 h 06 min
